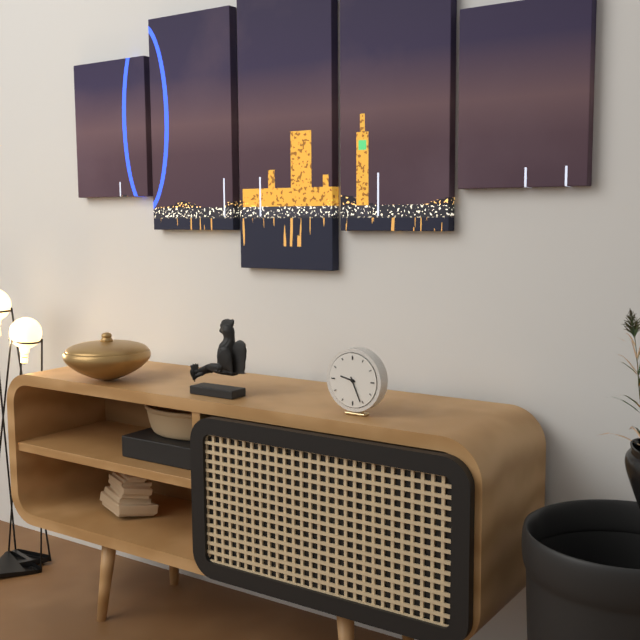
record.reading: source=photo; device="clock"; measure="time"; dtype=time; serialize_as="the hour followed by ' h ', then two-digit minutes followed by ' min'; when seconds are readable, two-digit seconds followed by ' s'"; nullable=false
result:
9 h 26 min
